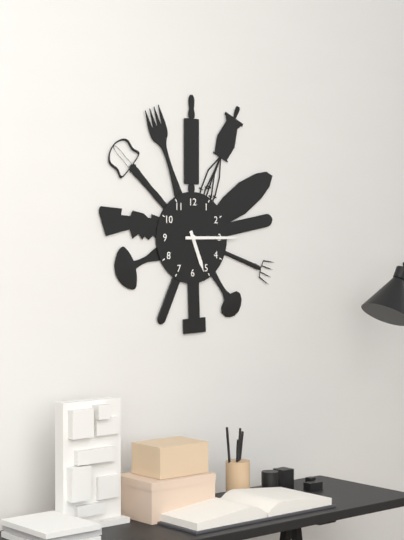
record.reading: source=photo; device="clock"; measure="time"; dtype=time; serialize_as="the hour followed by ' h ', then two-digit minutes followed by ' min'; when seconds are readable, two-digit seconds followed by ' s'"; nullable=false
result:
5 h 15 min
